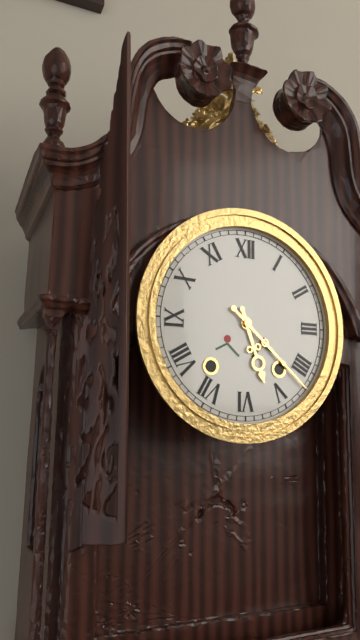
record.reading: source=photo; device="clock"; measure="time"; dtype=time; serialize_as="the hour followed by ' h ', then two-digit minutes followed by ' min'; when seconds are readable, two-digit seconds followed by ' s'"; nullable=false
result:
5 h 22 min
